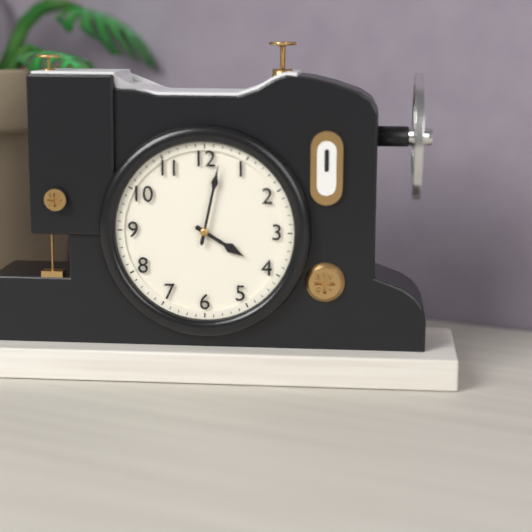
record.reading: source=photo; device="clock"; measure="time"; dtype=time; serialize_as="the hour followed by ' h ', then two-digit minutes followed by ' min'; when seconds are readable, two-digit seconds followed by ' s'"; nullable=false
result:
4 h 02 min
